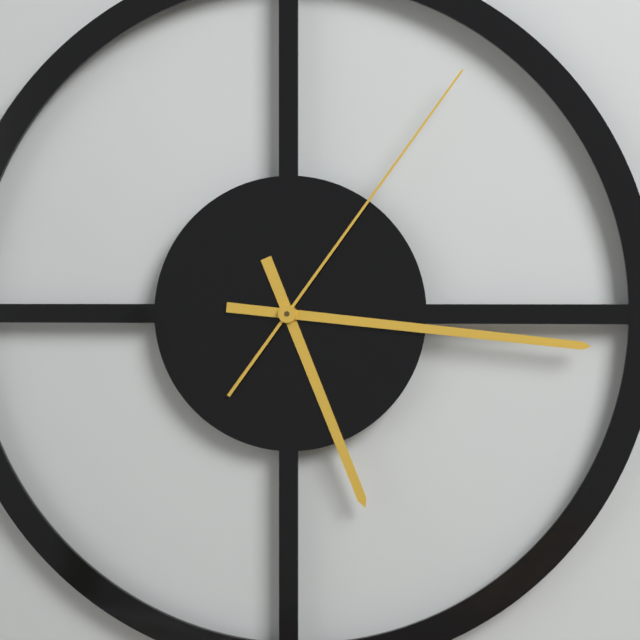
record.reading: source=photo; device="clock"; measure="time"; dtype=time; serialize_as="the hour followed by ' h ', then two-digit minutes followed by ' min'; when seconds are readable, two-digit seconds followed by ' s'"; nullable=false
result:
5 h 16 min 06 s
